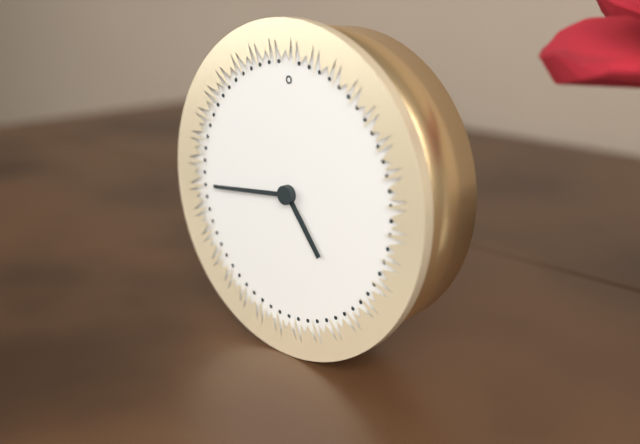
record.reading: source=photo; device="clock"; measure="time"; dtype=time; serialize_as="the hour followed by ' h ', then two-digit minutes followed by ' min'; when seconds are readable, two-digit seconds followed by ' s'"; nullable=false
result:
4 h 44 min
